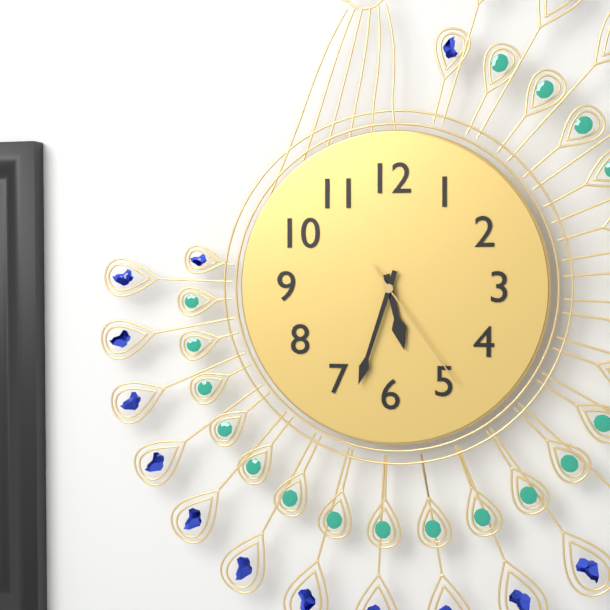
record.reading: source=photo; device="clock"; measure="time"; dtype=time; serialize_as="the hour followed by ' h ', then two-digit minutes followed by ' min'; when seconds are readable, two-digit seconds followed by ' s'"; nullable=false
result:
5 h 33 min 24 s
